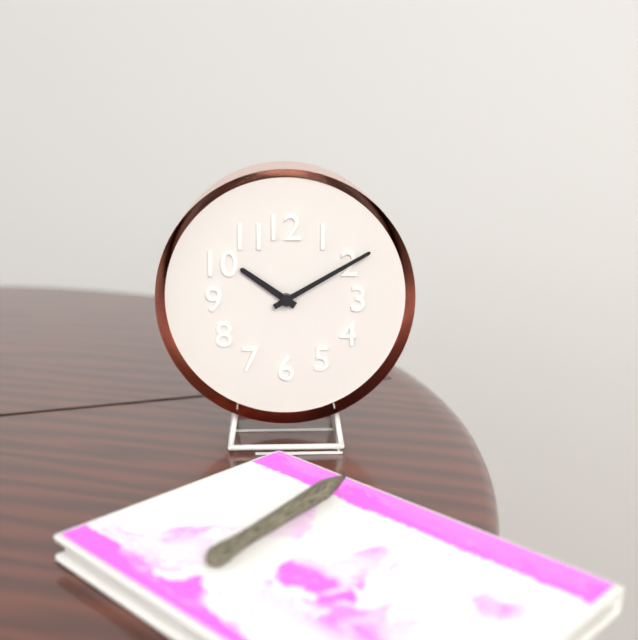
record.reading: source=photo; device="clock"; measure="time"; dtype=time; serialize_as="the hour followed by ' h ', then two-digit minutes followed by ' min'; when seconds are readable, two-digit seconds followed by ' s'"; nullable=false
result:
10 h 10 min
